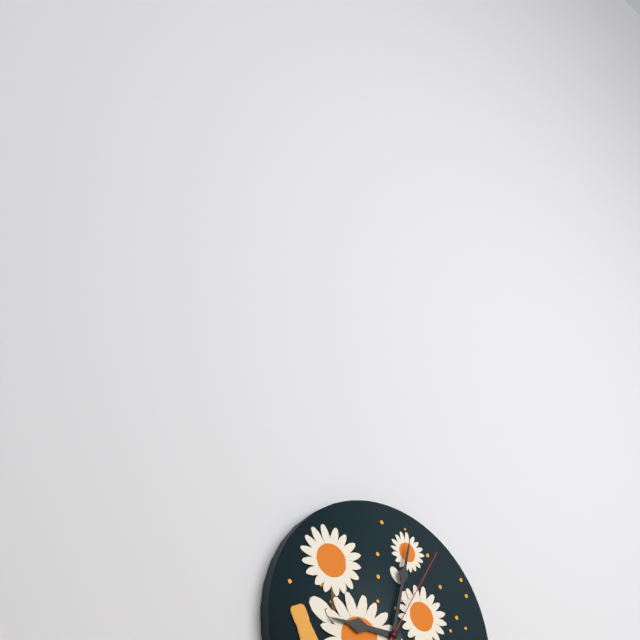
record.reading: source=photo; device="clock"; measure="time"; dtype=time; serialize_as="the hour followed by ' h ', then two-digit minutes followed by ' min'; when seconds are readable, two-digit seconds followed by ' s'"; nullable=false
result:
9 h 02 min 05 s
